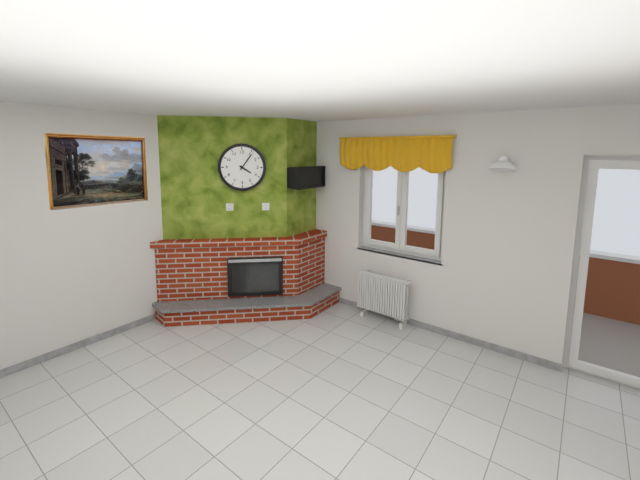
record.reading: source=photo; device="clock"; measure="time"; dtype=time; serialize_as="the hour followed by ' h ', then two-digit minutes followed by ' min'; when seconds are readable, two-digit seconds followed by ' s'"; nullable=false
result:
4 h 06 min
